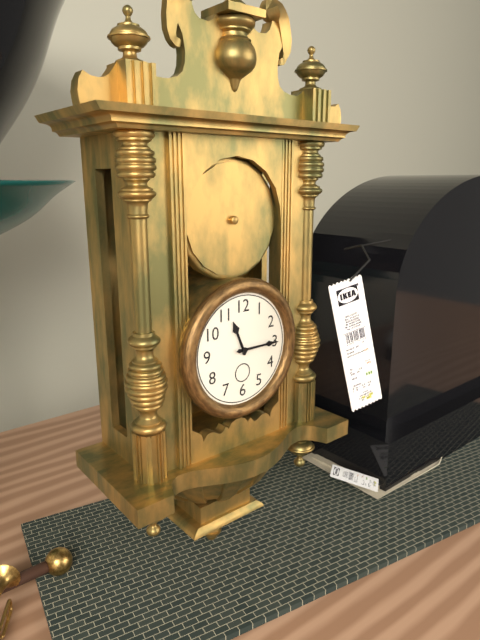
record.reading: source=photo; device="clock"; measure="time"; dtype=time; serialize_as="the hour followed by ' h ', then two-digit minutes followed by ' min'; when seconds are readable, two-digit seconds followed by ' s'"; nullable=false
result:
11 h 15 min
